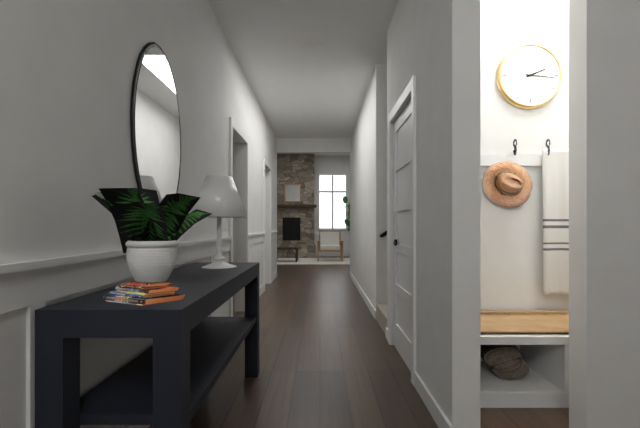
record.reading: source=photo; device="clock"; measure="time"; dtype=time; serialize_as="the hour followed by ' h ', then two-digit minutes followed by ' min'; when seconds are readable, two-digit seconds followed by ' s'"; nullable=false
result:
2 h 16 min
